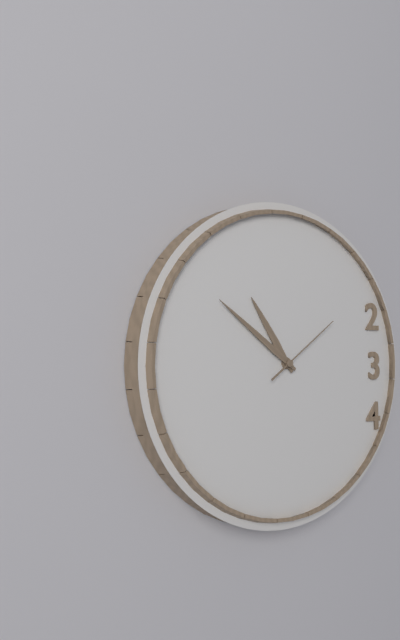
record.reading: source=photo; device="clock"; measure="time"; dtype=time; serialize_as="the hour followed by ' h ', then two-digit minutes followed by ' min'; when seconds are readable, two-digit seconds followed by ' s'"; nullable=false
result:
10 h 51 min 09 s
